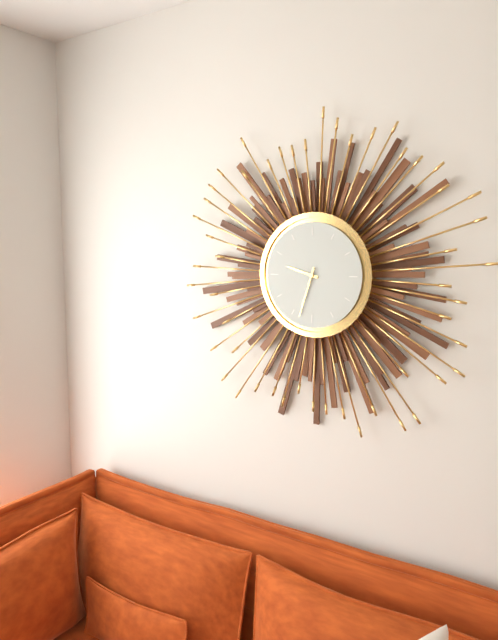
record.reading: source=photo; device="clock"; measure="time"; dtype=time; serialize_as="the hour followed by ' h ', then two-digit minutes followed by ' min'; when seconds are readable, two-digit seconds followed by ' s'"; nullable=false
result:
9 h 33 min
